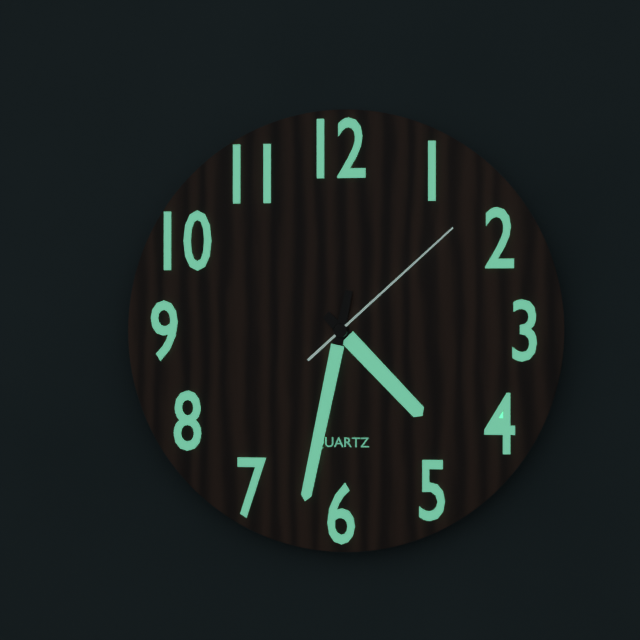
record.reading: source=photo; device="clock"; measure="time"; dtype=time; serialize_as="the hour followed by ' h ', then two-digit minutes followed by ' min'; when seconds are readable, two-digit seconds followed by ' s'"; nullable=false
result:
4 h 32 min 08 s
